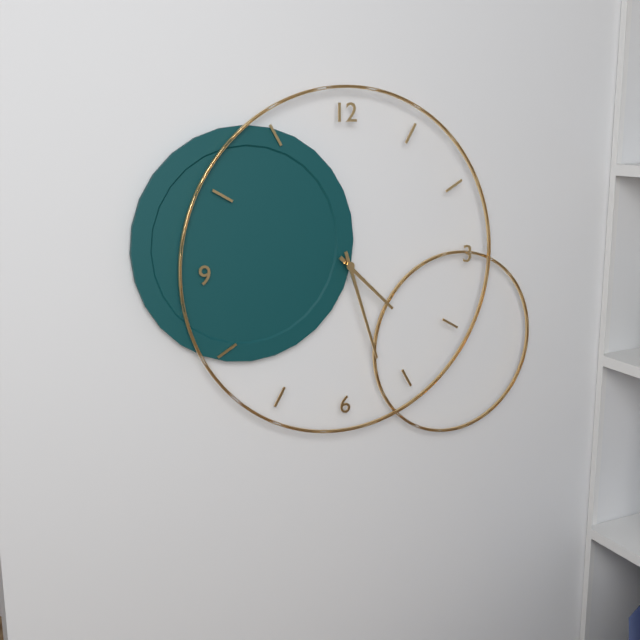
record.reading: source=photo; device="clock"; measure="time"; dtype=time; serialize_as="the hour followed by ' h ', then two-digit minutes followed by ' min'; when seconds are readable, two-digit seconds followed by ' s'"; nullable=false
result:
4 h 27 min
